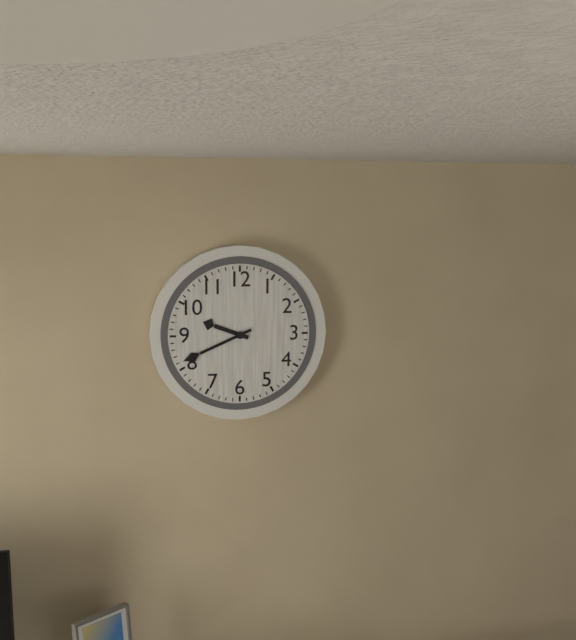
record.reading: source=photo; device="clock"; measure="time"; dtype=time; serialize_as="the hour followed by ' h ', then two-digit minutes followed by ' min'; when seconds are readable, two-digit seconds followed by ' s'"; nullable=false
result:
9 h 41 min
